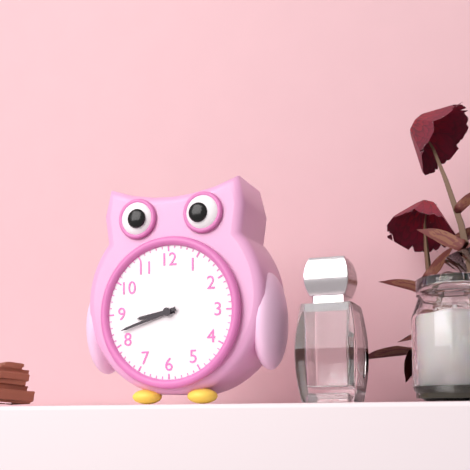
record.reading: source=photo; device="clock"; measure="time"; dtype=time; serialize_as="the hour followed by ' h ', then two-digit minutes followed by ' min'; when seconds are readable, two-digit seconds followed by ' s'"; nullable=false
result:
8 h 42 min
